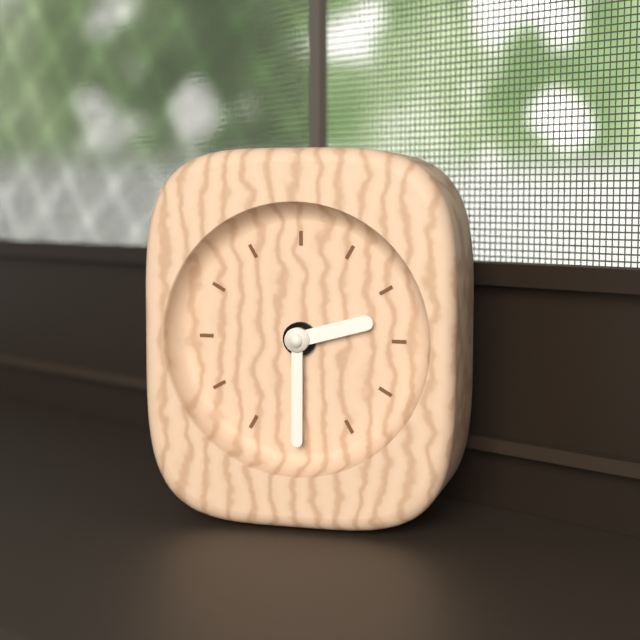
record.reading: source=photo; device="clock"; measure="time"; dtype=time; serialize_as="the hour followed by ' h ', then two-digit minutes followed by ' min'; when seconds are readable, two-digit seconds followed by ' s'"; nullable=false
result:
2 h 30 min
